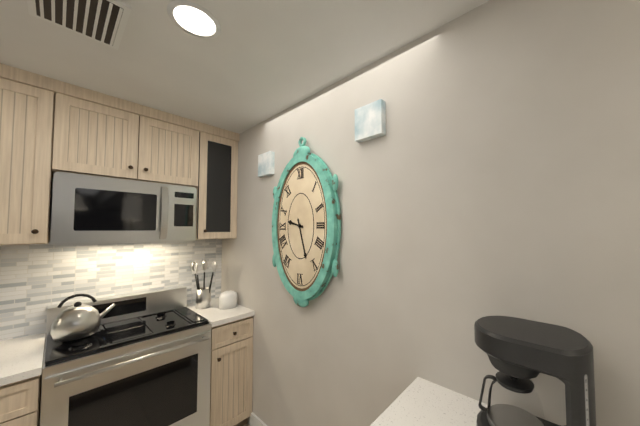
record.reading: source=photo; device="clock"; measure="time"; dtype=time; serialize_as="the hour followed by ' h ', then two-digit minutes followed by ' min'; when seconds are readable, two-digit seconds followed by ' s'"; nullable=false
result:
9 h 27 min
